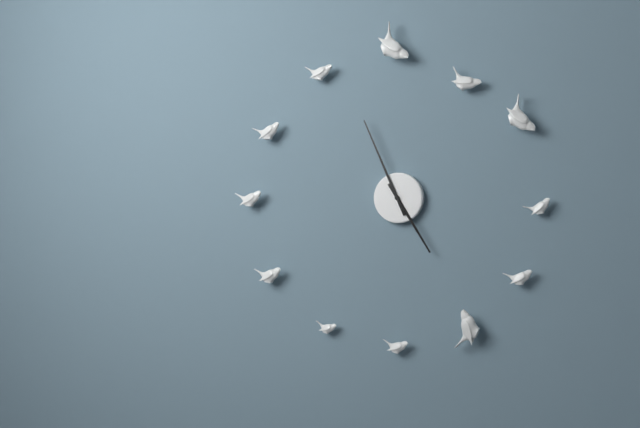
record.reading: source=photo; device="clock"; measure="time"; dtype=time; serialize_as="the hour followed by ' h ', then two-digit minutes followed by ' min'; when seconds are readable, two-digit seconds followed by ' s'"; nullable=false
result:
4 h 56 min
